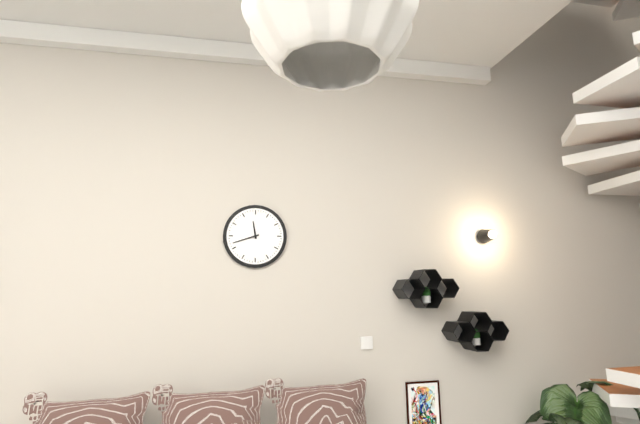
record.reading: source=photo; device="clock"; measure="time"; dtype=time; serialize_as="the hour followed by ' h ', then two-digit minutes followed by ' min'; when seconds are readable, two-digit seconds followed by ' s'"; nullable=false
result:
11 h 42 min
